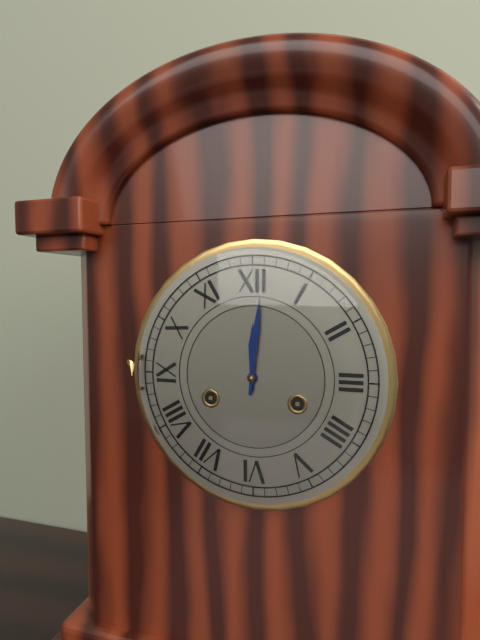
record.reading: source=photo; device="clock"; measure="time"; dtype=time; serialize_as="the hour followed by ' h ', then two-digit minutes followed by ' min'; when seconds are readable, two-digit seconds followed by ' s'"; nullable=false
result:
12 h 01 min
